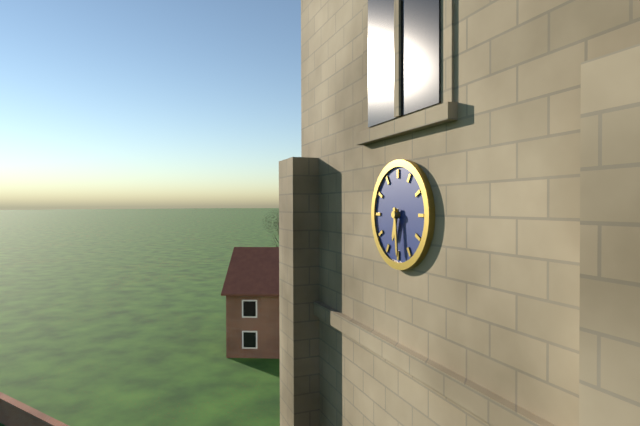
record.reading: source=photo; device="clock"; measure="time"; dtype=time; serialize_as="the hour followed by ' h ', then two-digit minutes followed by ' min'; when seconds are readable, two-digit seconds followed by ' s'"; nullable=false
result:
6 h 29 min
